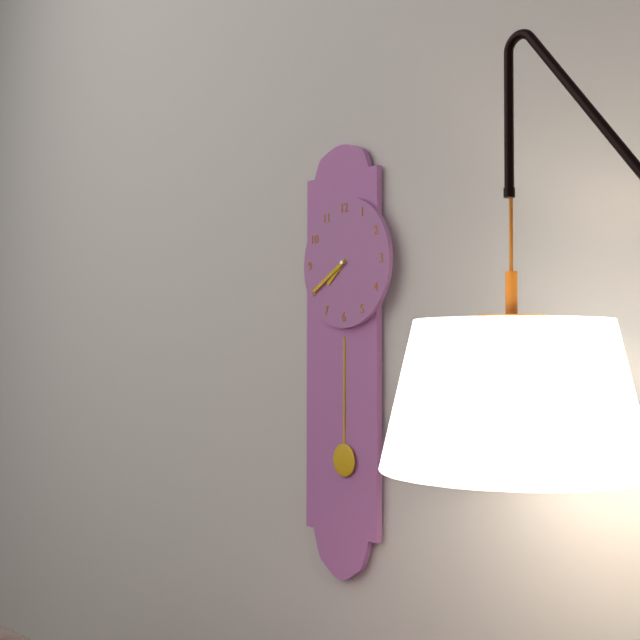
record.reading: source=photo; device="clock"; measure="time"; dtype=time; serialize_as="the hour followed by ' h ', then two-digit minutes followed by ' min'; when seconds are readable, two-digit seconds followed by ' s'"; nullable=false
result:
7 h 40 min
